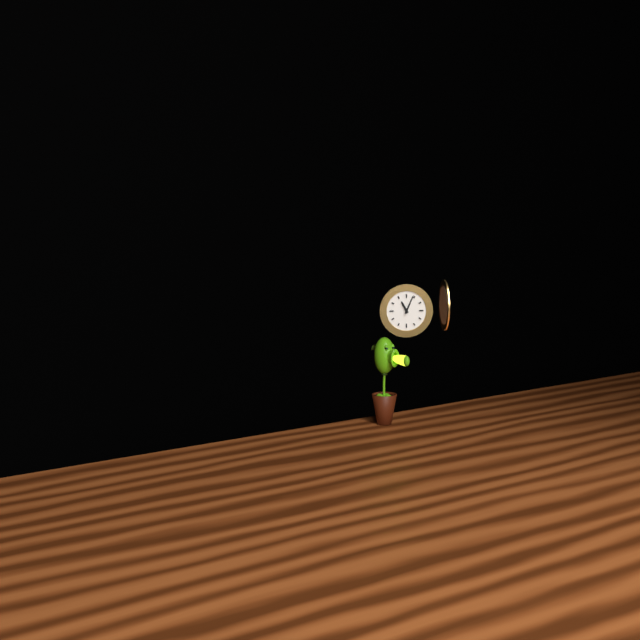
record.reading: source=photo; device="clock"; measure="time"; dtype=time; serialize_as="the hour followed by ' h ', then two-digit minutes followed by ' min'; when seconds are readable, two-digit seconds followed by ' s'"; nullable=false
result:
11 h 04 min
